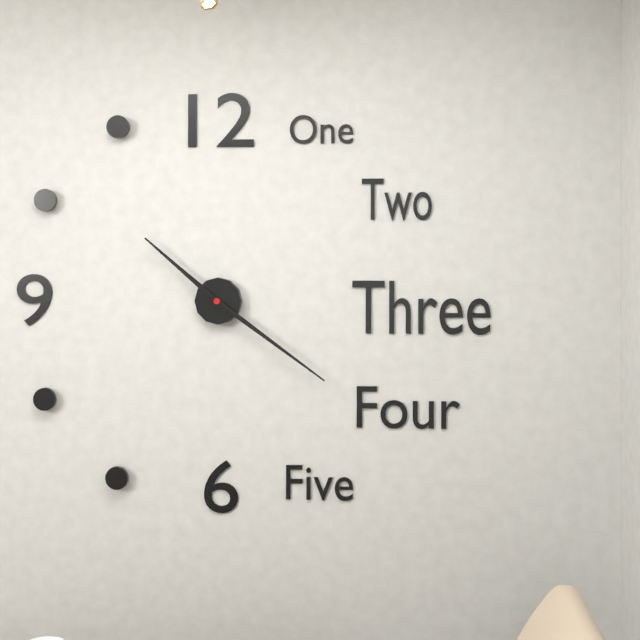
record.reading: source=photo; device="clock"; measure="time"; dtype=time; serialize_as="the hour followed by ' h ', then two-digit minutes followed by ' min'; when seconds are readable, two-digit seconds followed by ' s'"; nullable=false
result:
10 h 21 min
